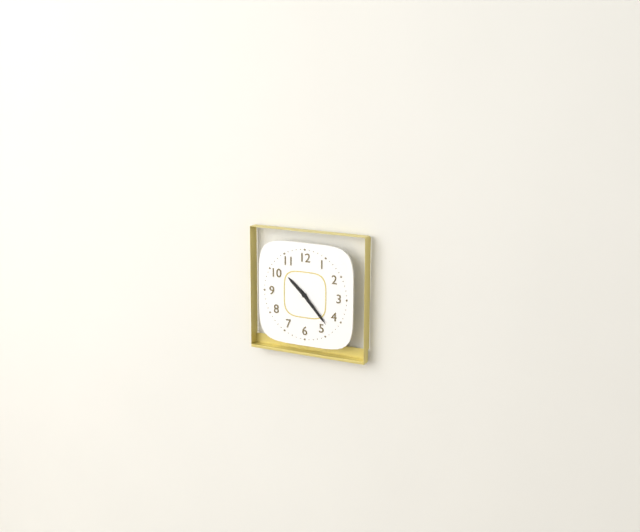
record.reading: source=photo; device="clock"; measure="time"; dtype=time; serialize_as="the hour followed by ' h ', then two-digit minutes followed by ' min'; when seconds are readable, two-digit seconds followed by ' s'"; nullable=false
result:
10 h 23 min
